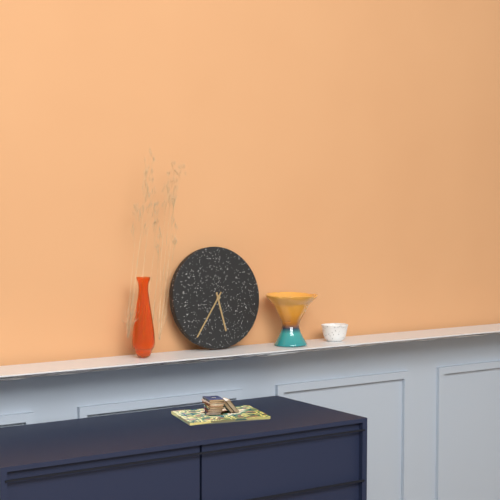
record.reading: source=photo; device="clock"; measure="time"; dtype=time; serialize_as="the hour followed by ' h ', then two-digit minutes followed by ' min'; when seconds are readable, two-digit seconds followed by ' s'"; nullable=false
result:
5 h 36 min
